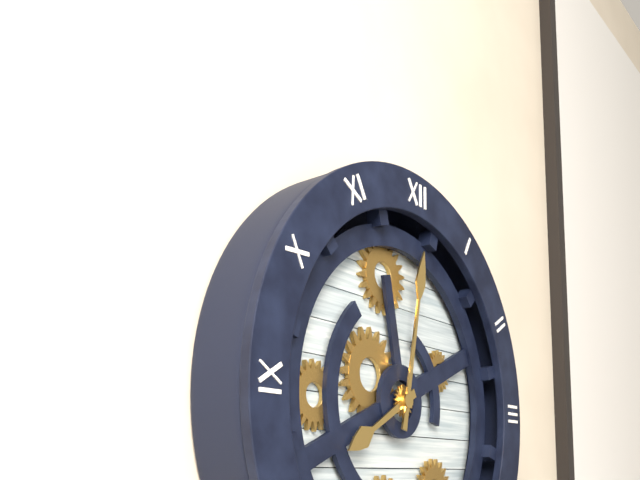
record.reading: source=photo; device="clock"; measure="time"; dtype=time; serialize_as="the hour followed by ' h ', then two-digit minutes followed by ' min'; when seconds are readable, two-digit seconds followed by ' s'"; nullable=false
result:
8 h 02 min
